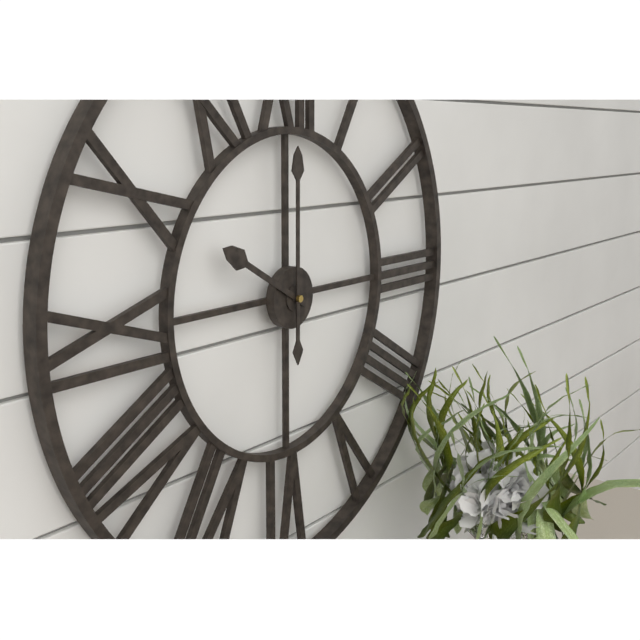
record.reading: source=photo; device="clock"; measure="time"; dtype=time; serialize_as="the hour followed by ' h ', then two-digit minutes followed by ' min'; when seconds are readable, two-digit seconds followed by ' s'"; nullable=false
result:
10 h 00 min
